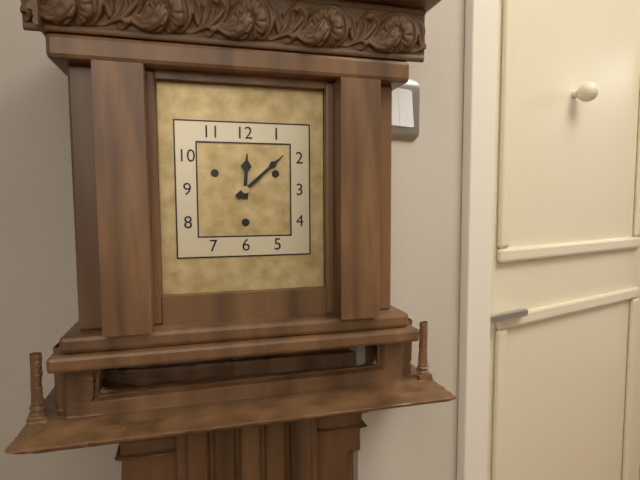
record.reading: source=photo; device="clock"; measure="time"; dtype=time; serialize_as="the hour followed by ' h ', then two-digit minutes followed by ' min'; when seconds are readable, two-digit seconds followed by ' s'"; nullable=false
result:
12 h 08 min
